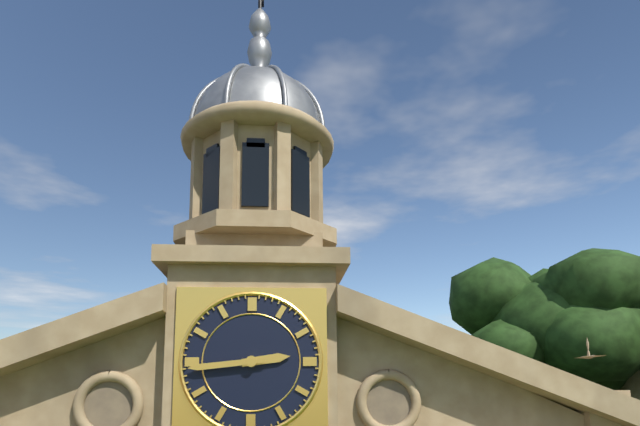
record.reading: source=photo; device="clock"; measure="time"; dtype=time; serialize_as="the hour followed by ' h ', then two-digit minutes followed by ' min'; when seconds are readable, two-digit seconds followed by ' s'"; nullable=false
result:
2 h 44 min
